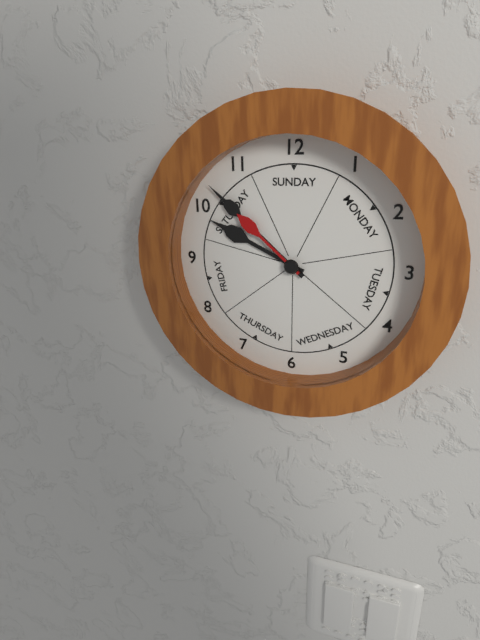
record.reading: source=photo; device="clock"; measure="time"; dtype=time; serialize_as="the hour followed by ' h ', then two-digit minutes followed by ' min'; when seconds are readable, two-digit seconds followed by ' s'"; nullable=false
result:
9 h 52 min 52 s
